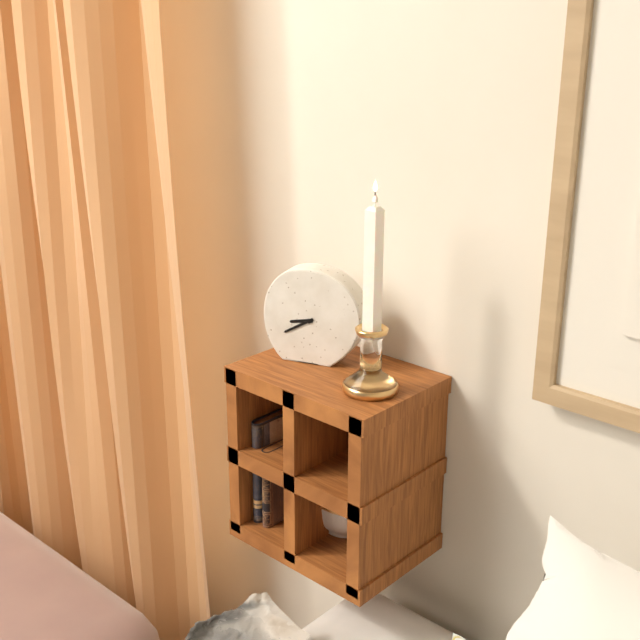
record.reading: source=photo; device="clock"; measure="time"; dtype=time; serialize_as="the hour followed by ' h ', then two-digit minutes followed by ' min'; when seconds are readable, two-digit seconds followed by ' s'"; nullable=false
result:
8 h 40 min
